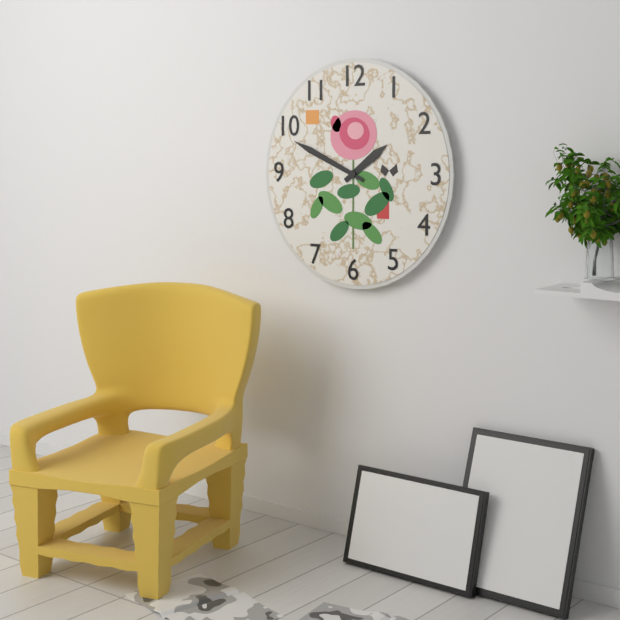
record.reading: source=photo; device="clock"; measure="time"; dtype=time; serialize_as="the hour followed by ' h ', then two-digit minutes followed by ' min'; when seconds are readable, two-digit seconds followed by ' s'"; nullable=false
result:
1 h 49 min
